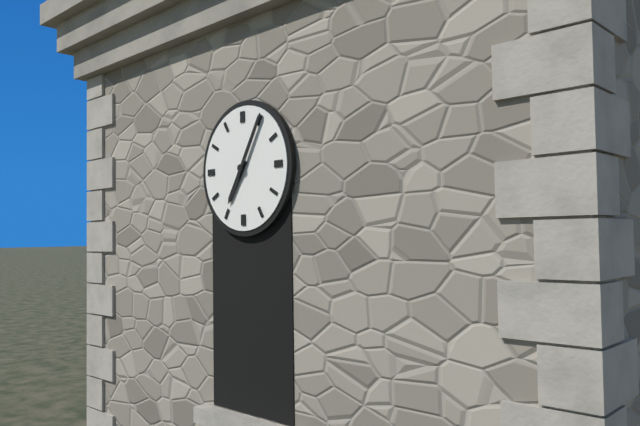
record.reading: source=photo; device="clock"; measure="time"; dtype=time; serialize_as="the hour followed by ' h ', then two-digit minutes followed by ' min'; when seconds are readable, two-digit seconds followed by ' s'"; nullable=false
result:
7 h 05 min
